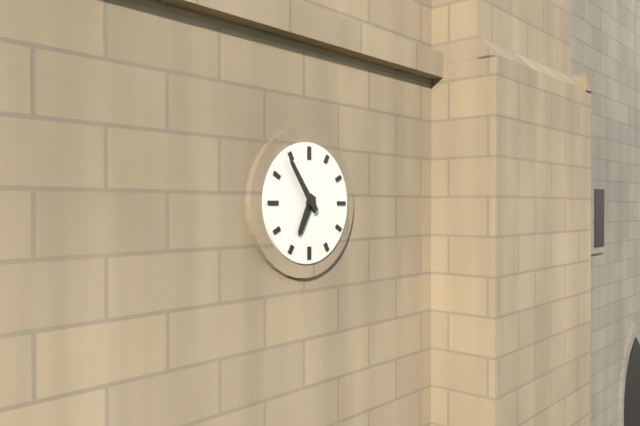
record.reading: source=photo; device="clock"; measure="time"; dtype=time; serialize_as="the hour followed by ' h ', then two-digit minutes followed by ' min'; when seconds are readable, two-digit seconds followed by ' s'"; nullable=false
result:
6 h 54 min
